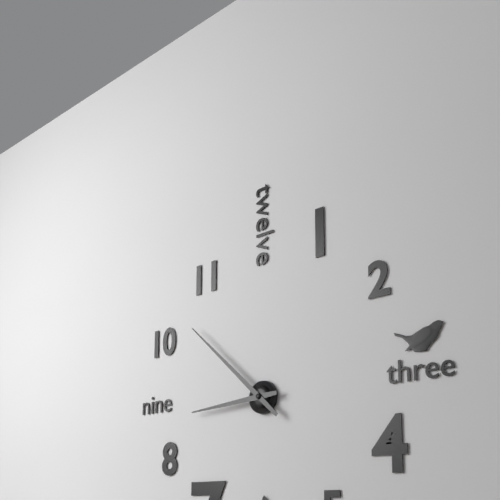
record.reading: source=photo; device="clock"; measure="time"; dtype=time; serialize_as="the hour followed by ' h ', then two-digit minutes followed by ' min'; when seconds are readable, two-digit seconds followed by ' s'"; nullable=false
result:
8 h 52 min
